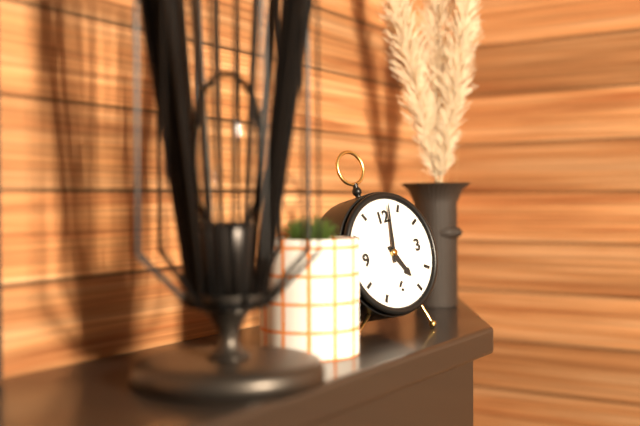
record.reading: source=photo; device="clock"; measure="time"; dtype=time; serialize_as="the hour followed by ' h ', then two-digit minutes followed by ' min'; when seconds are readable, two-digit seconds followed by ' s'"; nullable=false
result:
5 h 02 min
